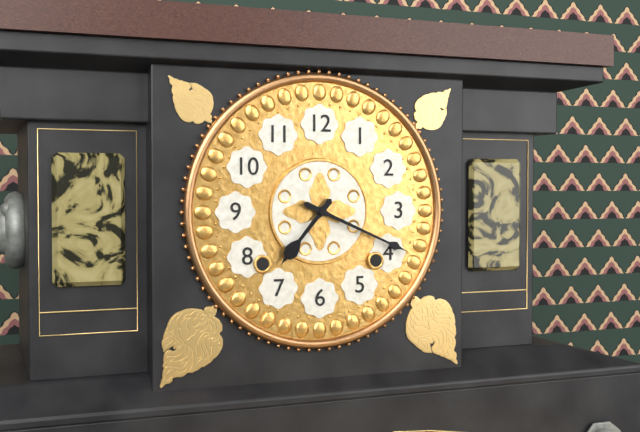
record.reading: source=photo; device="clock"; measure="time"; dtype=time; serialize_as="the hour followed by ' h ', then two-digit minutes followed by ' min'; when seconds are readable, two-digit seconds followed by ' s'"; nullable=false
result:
7 h 19 min
